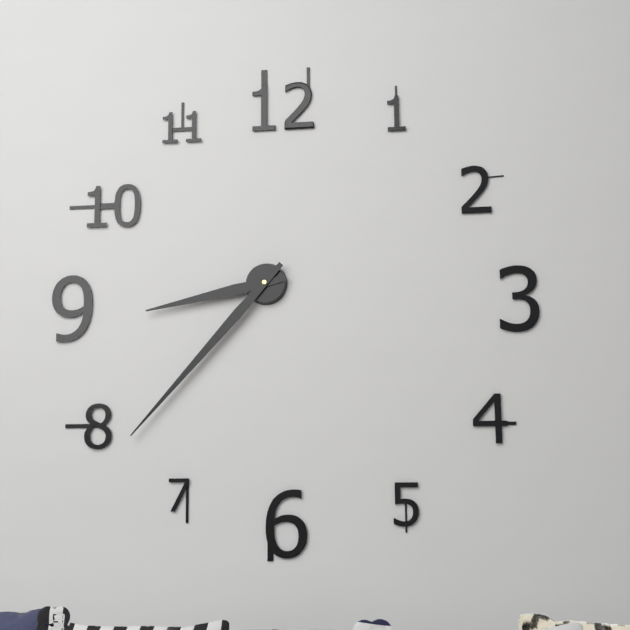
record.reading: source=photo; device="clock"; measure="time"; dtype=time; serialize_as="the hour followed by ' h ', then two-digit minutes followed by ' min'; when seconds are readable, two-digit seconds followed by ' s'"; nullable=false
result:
8 h 37 min
